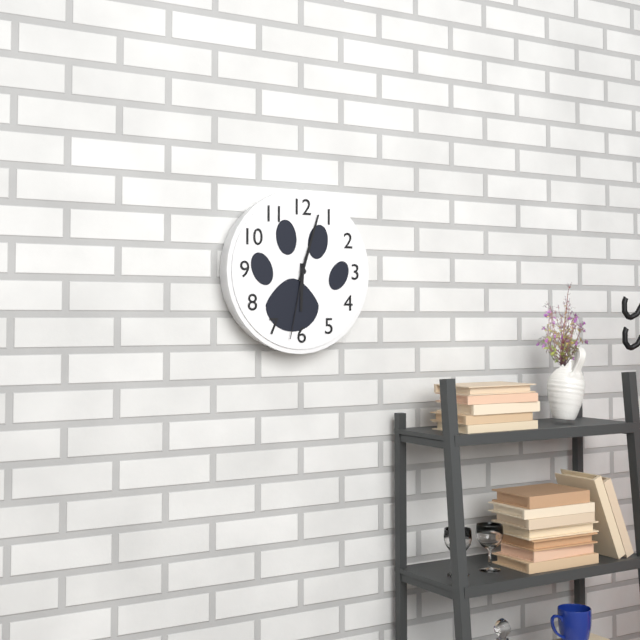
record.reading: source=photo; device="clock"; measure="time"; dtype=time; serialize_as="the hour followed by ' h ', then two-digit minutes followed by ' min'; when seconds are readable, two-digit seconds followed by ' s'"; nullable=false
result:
6 h 03 min 32 s
